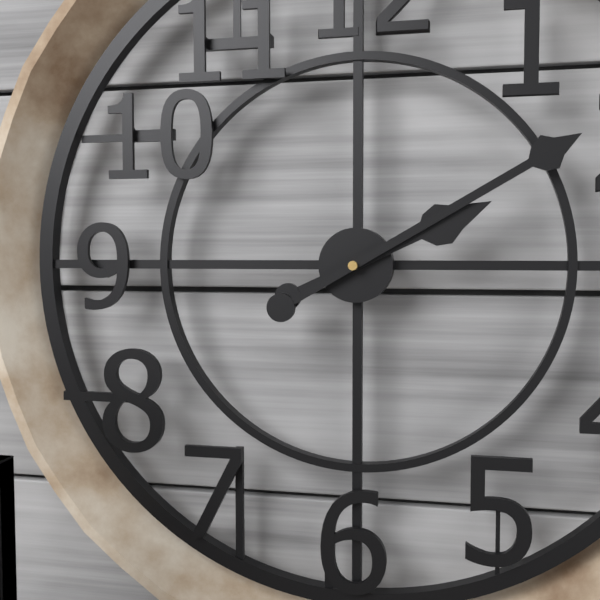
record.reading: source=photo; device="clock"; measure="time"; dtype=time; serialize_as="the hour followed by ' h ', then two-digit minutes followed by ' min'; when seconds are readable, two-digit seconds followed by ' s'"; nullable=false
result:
2 h 10 min
